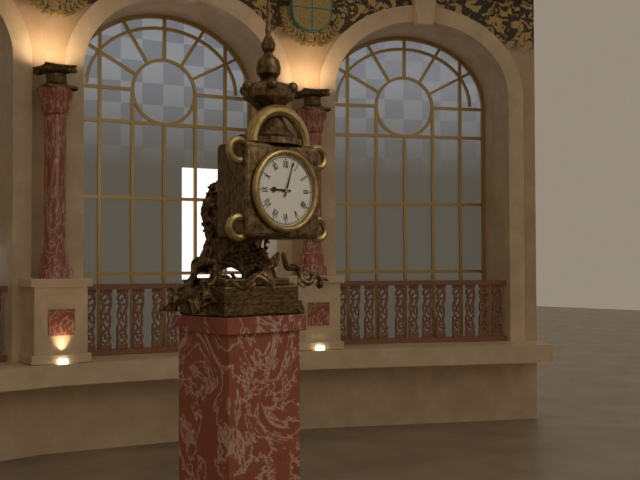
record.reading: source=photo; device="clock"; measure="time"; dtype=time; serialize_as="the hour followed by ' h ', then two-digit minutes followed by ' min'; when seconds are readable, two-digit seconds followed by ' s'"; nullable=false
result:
9 h 03 min
